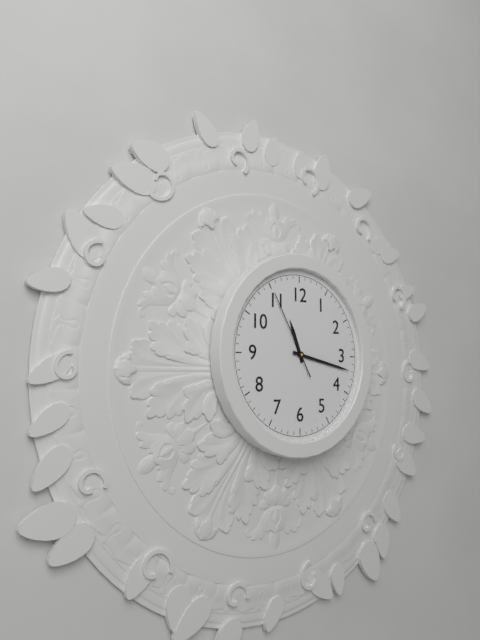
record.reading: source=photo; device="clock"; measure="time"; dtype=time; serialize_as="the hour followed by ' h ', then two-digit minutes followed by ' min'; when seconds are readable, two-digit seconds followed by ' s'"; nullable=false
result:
11 h 17 min 55 s
